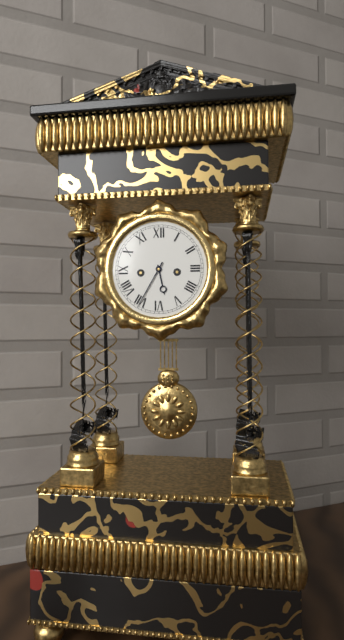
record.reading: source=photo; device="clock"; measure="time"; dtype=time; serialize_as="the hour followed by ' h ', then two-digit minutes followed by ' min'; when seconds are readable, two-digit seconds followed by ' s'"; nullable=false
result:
5 h 35 min
